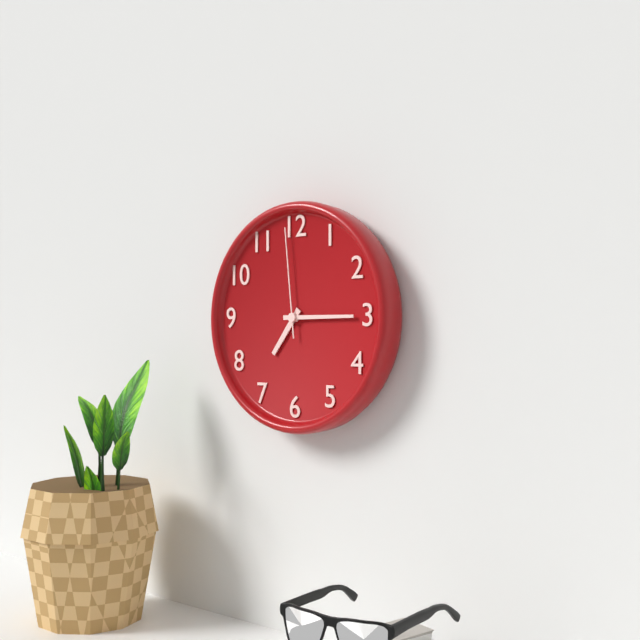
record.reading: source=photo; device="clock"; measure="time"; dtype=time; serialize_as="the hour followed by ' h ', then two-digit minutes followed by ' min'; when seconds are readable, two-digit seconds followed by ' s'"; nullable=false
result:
7 h 15 min 59 s
